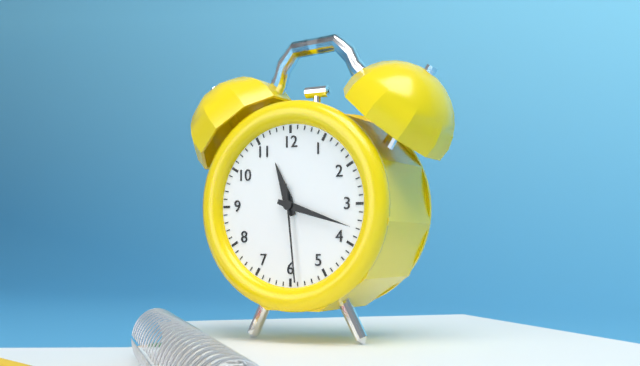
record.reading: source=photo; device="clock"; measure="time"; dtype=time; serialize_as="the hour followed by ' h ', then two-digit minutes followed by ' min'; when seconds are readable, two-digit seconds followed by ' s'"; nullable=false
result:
11 h 18 min 29 s
